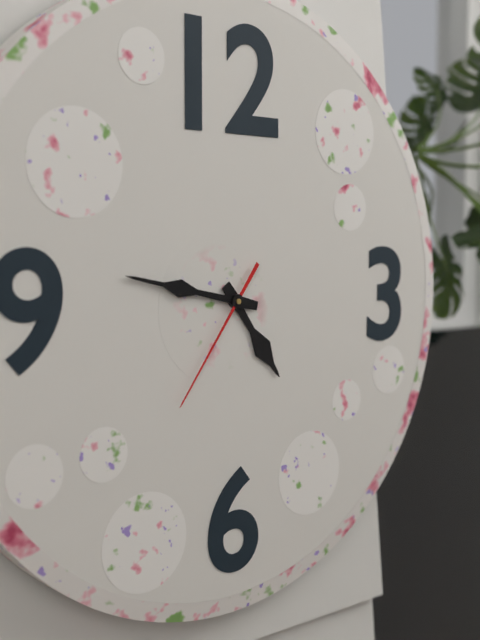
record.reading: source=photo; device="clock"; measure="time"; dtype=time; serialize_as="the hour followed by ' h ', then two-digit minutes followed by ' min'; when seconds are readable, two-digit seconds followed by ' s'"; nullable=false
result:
4 h 47 min 36 s
